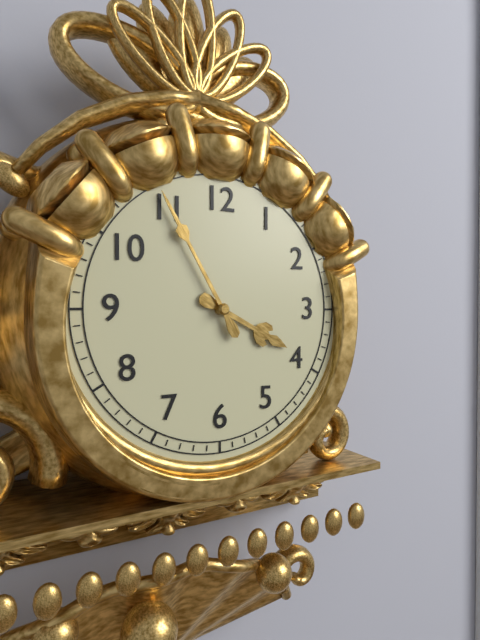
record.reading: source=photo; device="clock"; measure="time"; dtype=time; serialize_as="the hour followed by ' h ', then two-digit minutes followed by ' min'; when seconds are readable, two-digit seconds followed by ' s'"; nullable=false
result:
3 h 55 min
